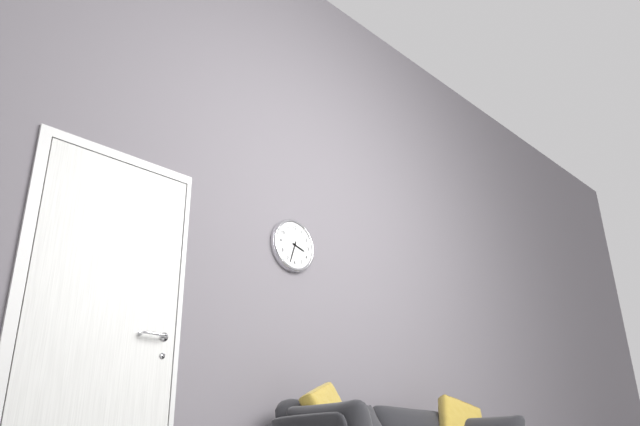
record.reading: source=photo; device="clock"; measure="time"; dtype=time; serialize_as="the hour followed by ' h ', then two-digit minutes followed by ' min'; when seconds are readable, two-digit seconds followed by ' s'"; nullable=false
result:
3 h 33 min
